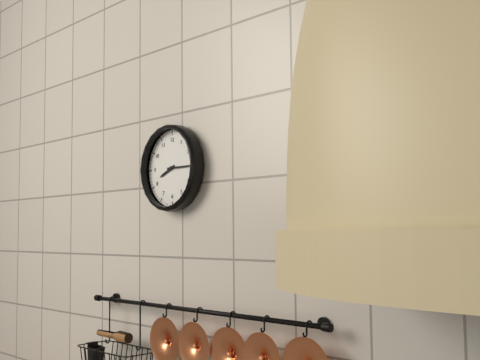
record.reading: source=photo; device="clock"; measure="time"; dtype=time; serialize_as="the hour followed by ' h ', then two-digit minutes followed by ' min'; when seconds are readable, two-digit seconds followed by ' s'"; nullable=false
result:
8 h 15 min
